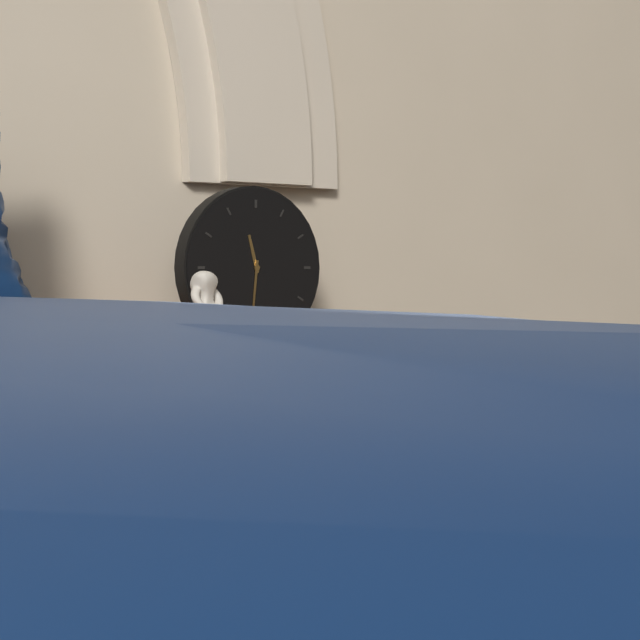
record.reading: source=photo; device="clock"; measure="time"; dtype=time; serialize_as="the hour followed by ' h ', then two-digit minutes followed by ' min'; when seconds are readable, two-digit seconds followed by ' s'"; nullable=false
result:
11 h 31 min
